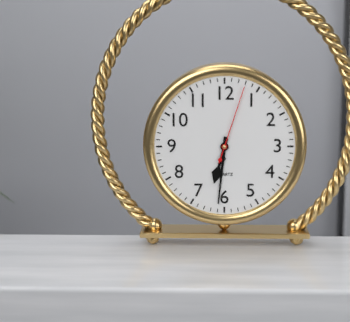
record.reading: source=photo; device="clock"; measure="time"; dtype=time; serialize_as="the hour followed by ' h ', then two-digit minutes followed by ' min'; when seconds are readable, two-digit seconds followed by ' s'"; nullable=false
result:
6 h 31 min 03 s
